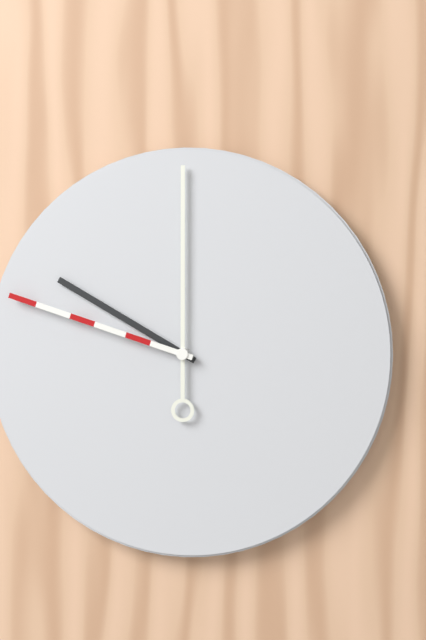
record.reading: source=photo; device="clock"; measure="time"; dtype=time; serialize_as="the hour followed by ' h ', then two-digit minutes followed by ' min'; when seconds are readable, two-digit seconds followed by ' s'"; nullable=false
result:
10 h 00 min 48 s
